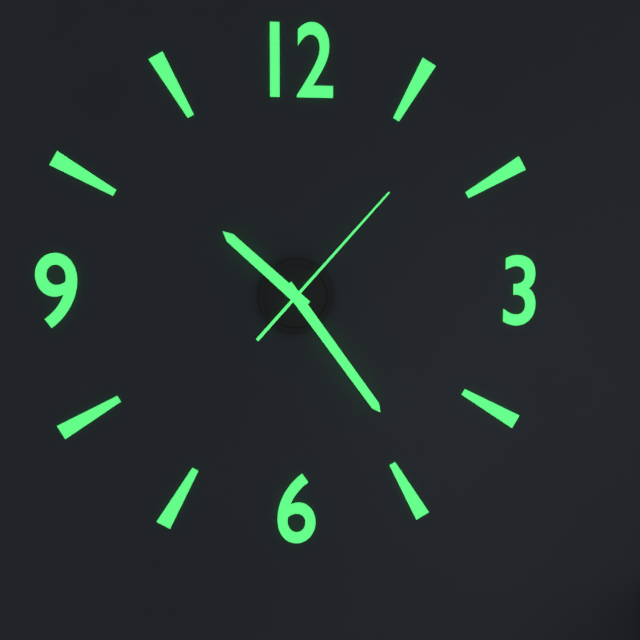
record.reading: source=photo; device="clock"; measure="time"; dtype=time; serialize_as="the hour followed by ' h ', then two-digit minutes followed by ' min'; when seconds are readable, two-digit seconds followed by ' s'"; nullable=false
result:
10 h 24 min 07 s
